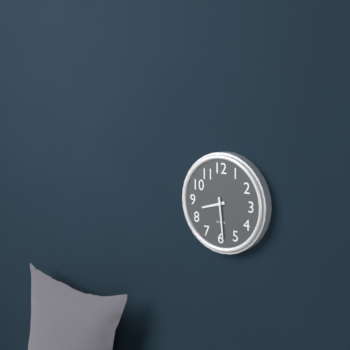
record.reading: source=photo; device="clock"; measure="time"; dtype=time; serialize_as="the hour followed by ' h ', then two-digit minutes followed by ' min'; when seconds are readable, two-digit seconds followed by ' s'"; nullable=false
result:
8 h 29 min
